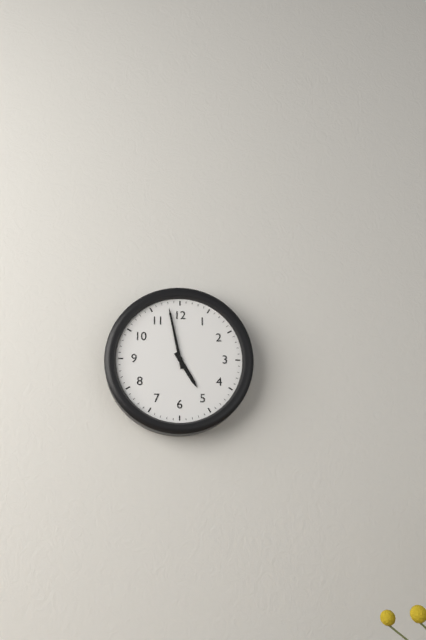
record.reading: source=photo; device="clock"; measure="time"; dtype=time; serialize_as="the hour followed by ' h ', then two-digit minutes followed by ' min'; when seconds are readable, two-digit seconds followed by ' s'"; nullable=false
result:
4 h 58 min
